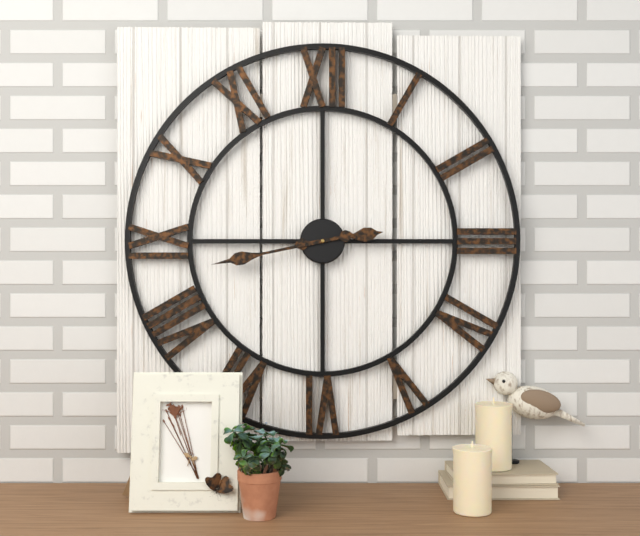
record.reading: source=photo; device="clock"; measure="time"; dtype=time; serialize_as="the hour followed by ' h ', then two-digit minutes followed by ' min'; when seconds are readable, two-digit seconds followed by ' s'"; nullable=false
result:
2 h 43 min
